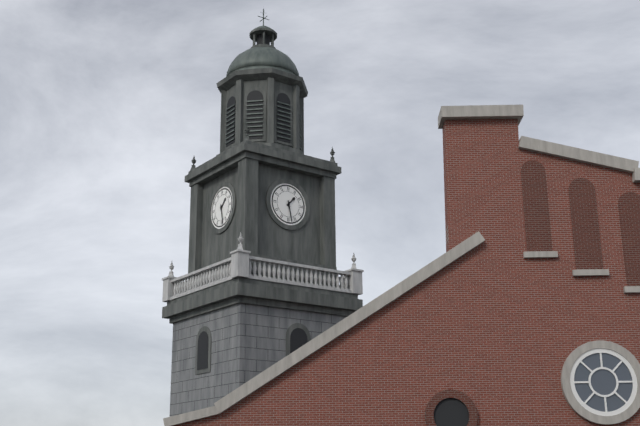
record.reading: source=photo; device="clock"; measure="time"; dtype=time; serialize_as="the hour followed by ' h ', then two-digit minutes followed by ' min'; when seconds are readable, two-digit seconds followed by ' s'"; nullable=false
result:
1 h 28 min
